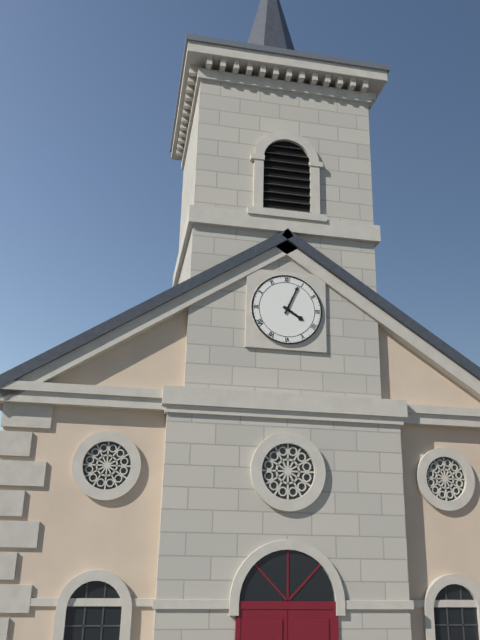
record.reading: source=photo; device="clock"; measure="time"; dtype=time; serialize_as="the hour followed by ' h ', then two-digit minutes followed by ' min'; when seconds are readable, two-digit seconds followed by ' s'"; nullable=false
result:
4 h 04 min
